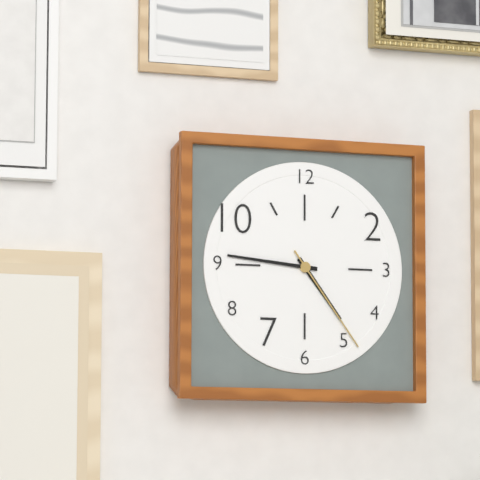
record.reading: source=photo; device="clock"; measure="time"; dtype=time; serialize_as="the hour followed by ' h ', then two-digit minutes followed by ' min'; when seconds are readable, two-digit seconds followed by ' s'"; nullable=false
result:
4 h 46 min 24 s
